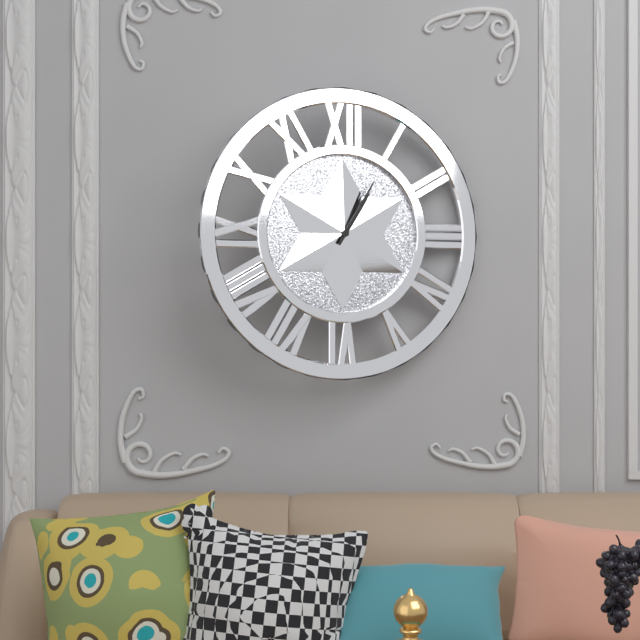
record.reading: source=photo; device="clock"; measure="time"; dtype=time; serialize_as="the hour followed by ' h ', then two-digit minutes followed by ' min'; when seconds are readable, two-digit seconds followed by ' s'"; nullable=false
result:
1 h 05 min
